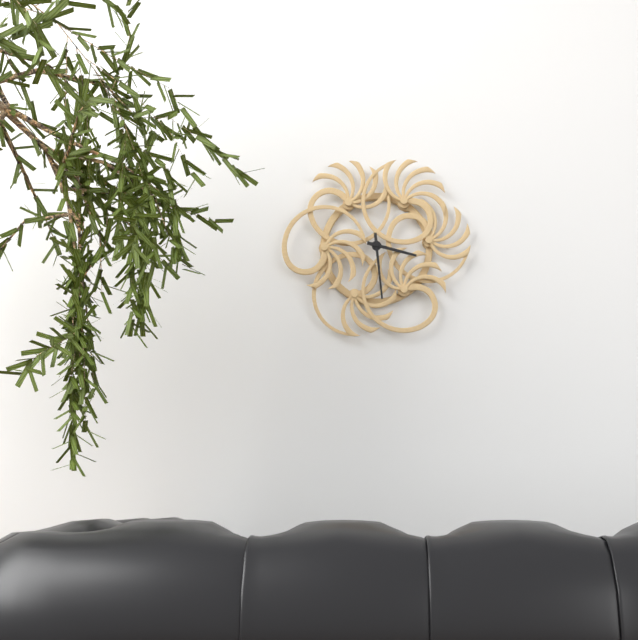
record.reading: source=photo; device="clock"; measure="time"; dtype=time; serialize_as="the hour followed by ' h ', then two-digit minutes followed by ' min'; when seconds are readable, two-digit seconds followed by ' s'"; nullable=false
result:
3 h 29 min
